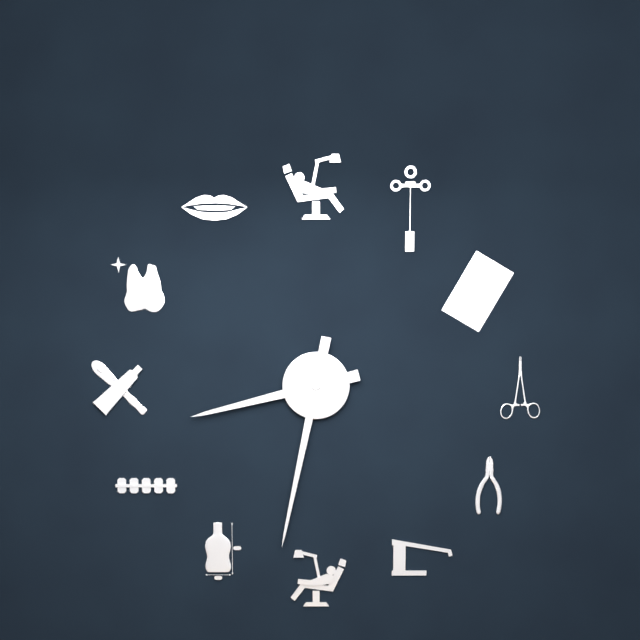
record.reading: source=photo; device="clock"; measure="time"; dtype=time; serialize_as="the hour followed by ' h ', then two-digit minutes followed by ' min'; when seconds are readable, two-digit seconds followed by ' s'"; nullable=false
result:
8 h 32 min
